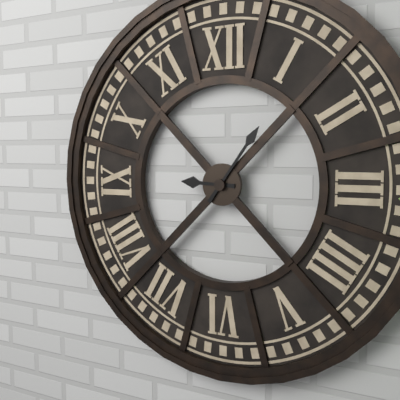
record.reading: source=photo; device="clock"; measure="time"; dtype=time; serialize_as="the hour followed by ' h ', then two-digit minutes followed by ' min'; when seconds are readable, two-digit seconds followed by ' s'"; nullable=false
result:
9 h 06 min
